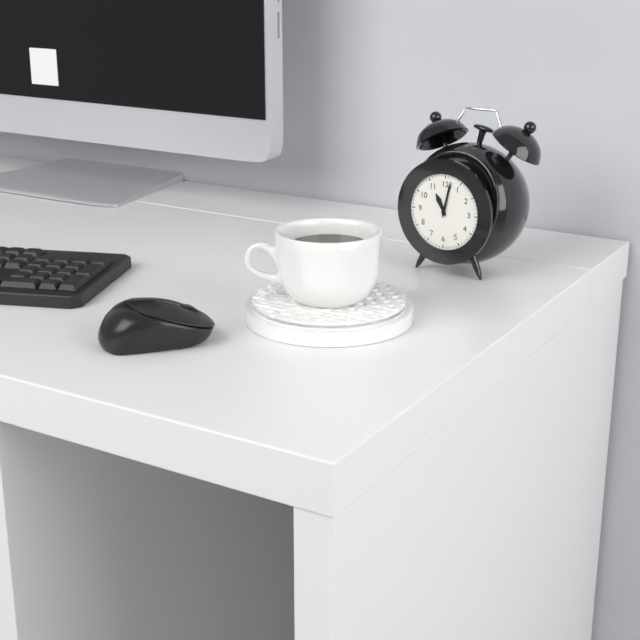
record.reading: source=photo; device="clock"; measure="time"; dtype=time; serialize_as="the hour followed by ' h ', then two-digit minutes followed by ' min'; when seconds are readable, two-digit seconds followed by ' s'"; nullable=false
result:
11 h 02 min
